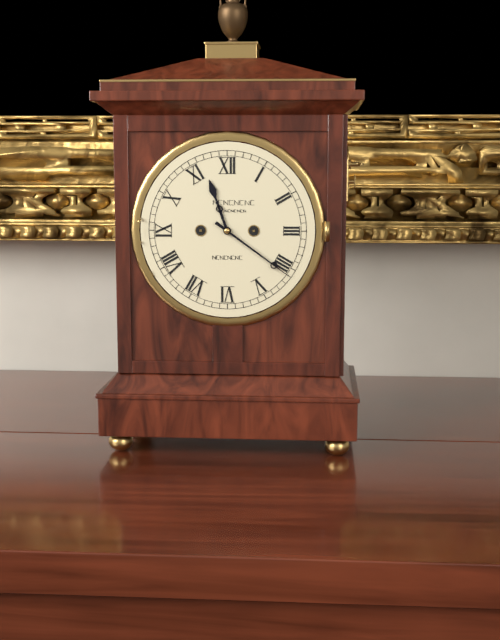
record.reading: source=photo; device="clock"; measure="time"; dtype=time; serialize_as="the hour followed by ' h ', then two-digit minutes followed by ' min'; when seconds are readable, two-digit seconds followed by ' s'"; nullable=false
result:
11 h 21 min
